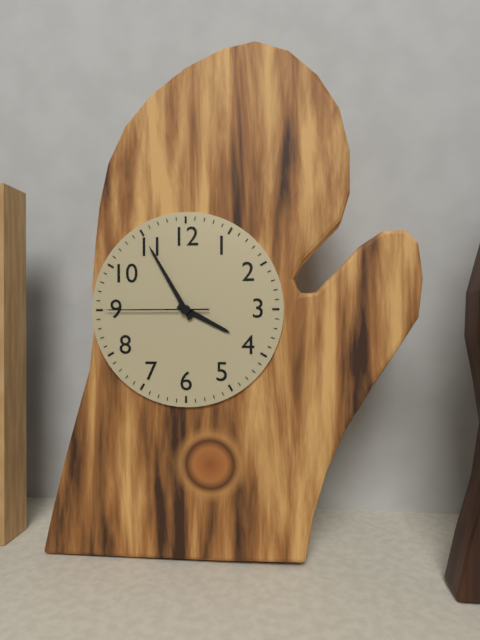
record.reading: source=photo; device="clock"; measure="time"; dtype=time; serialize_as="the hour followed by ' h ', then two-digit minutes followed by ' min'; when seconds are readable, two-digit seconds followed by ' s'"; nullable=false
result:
3 h 55 min 45 s
